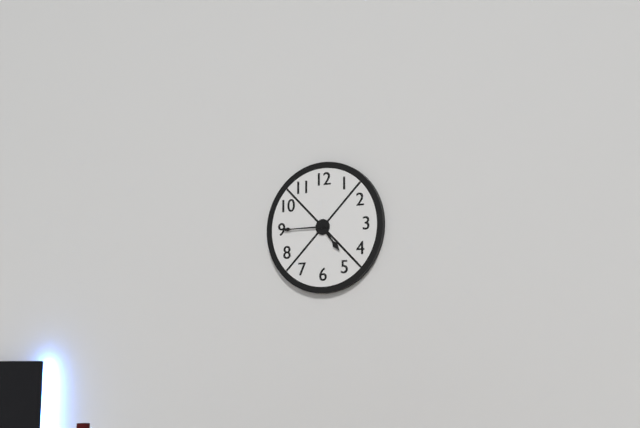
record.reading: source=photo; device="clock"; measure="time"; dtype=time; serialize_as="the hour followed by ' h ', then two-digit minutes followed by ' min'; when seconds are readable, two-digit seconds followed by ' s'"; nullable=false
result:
4 h 45 min
